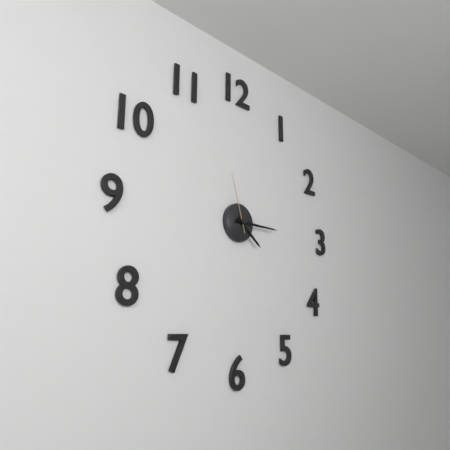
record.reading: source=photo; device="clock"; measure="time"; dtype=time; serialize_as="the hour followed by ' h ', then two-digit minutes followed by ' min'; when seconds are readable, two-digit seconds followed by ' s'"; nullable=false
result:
4 h 15 min 57 s
